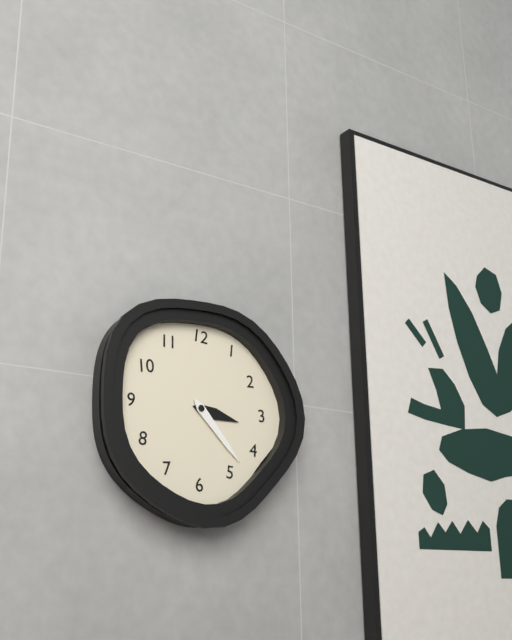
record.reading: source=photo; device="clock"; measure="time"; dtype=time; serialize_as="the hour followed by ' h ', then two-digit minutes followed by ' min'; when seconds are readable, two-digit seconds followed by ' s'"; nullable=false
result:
3 h 23 min
